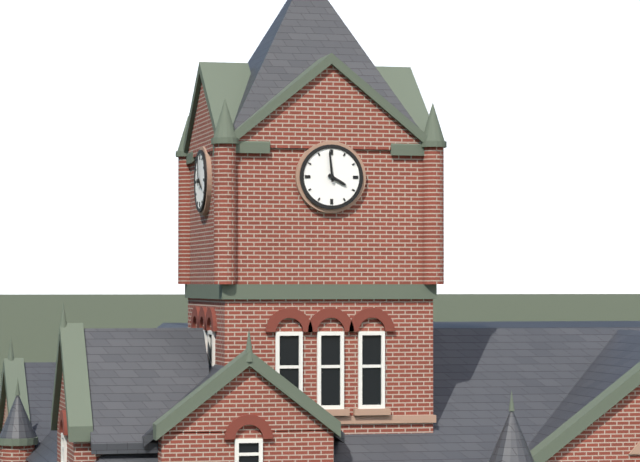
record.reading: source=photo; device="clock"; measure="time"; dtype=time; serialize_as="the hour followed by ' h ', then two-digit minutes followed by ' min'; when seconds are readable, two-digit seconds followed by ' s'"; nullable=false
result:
3 h 59 min
